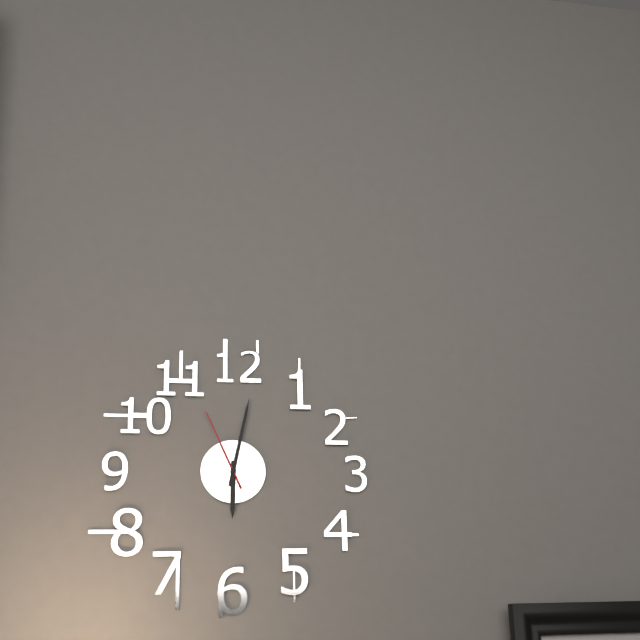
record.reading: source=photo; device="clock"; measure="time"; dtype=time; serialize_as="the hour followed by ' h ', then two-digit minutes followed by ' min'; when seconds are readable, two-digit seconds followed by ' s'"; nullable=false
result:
6 h 02 min 56 s
